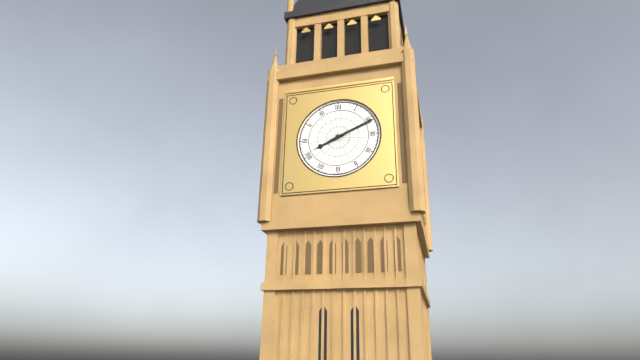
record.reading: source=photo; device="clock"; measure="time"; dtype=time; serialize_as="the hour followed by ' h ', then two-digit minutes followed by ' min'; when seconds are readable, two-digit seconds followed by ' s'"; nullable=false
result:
8 h 11 min
